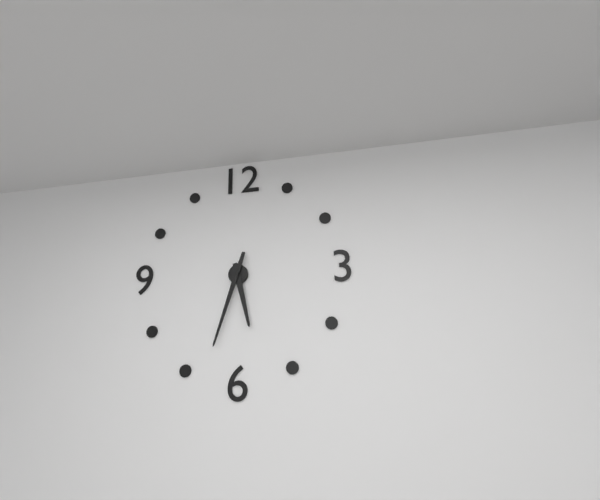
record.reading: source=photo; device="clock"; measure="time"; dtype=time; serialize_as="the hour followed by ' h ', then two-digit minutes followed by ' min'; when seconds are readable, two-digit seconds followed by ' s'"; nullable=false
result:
5 h 33 min
